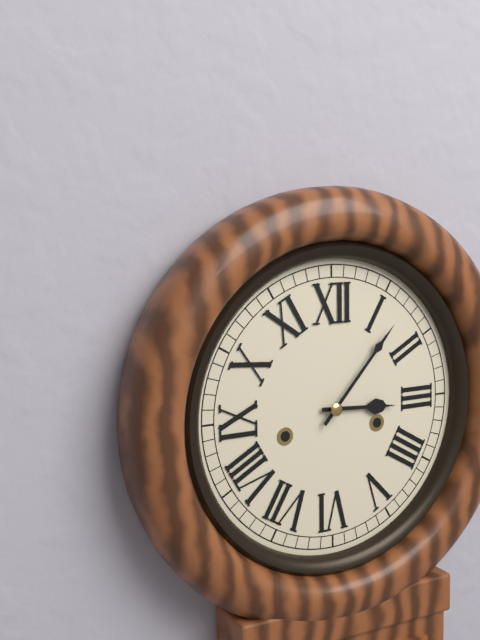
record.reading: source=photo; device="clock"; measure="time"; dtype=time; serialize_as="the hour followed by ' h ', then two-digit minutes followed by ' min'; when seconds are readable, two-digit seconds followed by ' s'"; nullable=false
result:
3 h 07 min
